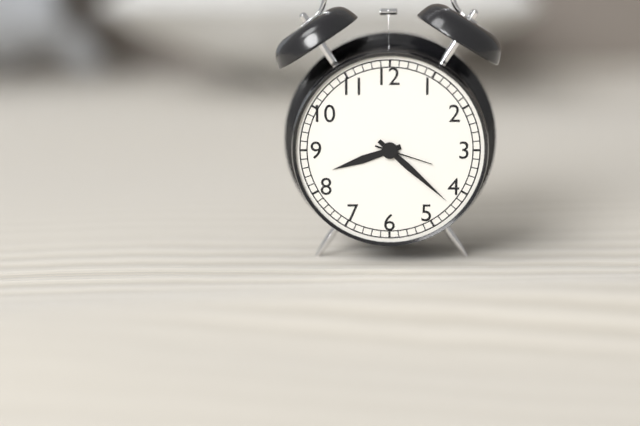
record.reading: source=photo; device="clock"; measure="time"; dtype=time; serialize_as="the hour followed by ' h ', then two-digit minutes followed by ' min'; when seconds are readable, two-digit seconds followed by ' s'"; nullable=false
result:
8 h 22 min 18 s
